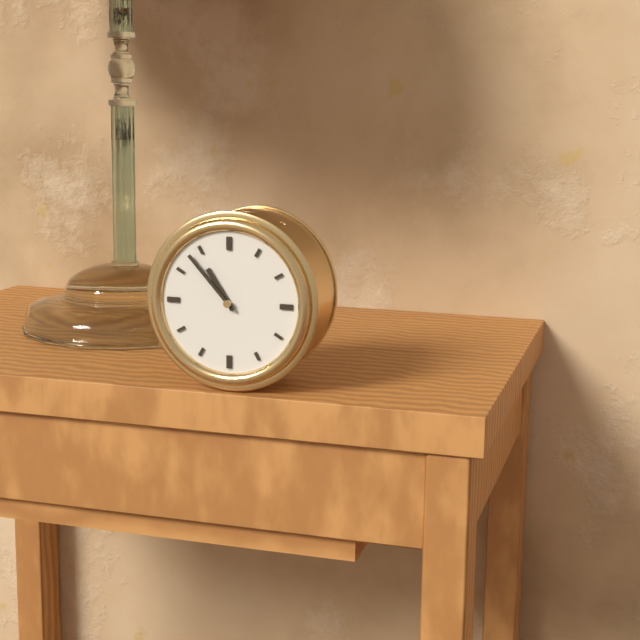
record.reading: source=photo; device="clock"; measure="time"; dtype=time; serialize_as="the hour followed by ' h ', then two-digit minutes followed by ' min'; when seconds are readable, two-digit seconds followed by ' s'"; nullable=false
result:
10 h 53 min
